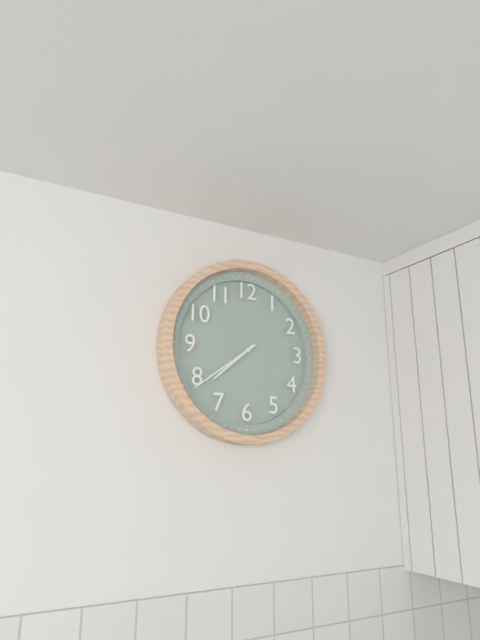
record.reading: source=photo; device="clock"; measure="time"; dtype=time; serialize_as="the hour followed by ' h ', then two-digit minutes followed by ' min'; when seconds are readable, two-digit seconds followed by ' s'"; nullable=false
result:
7 h 39 min
